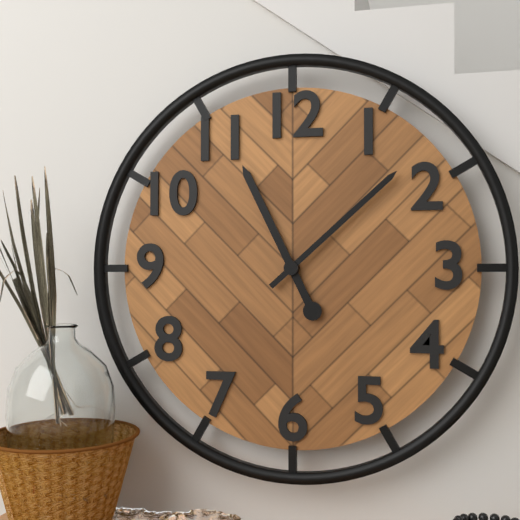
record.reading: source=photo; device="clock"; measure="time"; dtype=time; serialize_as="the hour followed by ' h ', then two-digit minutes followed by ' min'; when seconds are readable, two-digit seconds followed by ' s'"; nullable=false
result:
11 h 08 min
